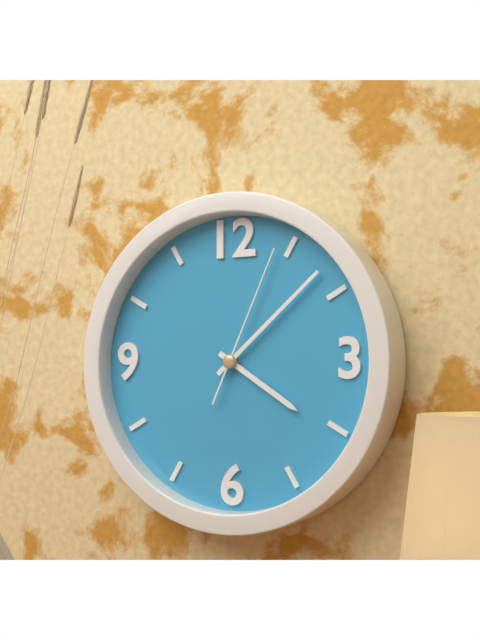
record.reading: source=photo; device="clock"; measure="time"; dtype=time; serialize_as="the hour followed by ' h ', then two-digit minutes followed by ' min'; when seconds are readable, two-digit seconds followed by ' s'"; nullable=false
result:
4 h 08 min 04 s
